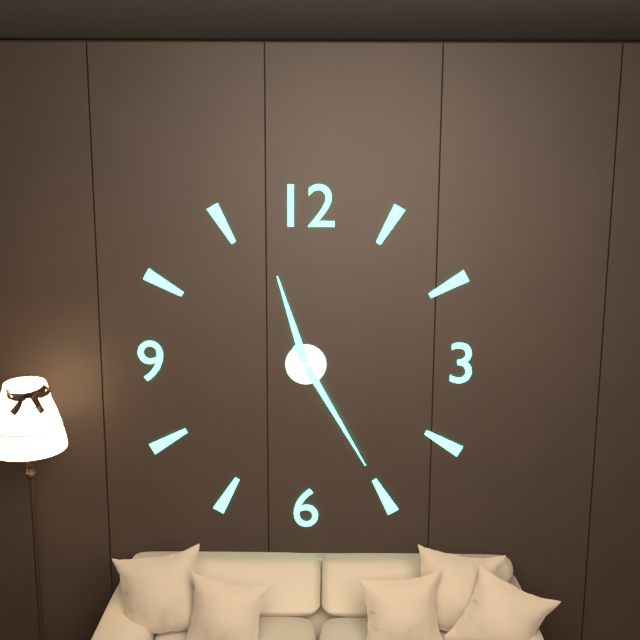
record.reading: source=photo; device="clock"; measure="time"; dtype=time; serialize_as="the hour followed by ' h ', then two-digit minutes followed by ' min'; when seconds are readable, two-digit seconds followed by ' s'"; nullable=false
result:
11 h 25 min
